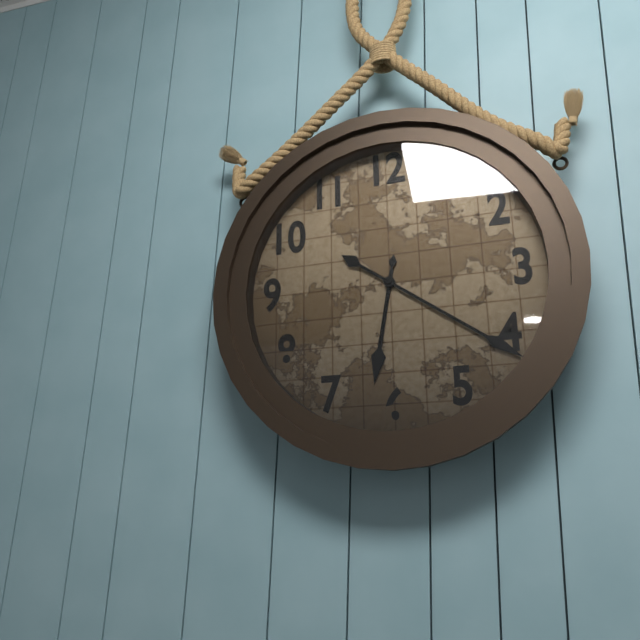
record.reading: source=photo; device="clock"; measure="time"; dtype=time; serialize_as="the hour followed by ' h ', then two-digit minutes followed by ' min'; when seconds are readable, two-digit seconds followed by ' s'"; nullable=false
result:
6 h 21 min
